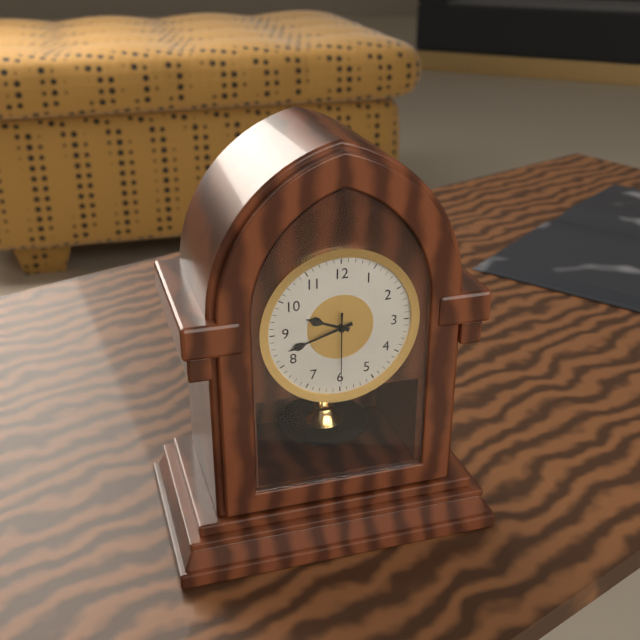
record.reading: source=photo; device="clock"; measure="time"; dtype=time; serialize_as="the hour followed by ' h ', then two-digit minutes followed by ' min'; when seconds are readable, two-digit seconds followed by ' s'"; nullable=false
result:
9 h 42 min 30 s
